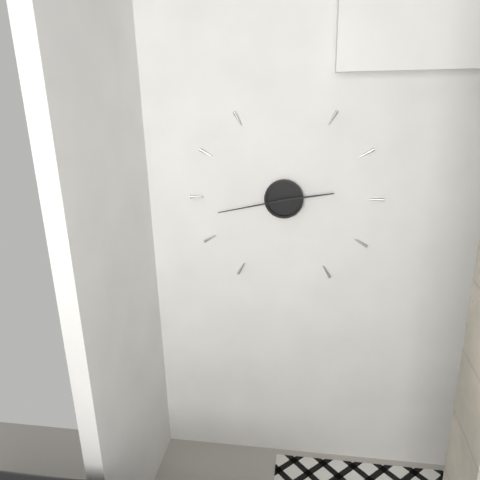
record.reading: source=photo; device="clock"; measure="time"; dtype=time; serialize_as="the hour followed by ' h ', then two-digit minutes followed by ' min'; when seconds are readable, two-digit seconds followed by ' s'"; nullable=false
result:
2 h 43 min
